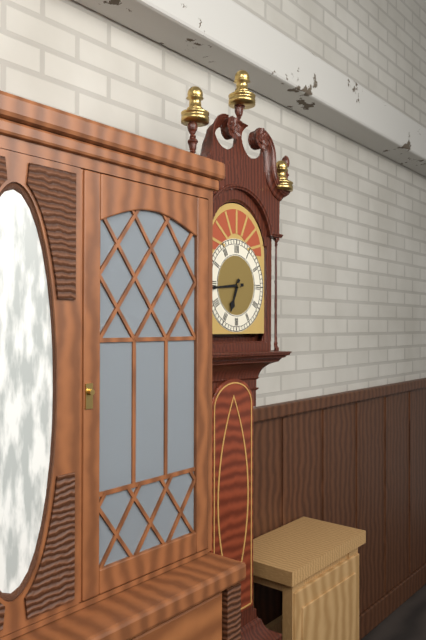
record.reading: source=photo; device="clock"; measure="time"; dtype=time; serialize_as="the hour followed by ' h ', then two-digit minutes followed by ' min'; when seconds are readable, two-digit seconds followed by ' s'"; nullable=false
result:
6 h 44 min
